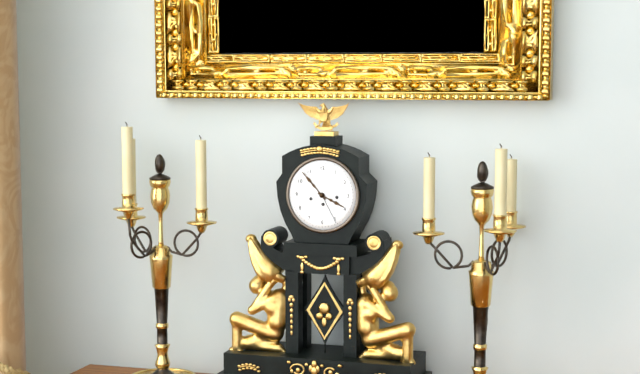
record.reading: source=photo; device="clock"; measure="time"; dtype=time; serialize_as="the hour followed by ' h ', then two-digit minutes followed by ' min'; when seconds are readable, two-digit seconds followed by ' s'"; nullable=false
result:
3 h 53 min
